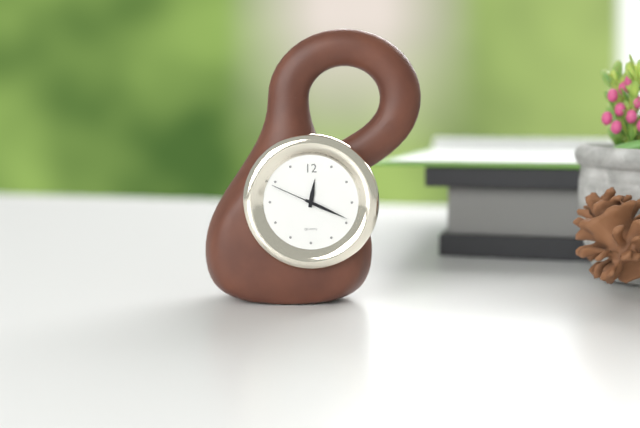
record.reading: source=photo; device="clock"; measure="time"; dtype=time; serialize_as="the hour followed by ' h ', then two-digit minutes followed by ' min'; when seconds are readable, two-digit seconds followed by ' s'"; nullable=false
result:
12 h 19 min 49 s
